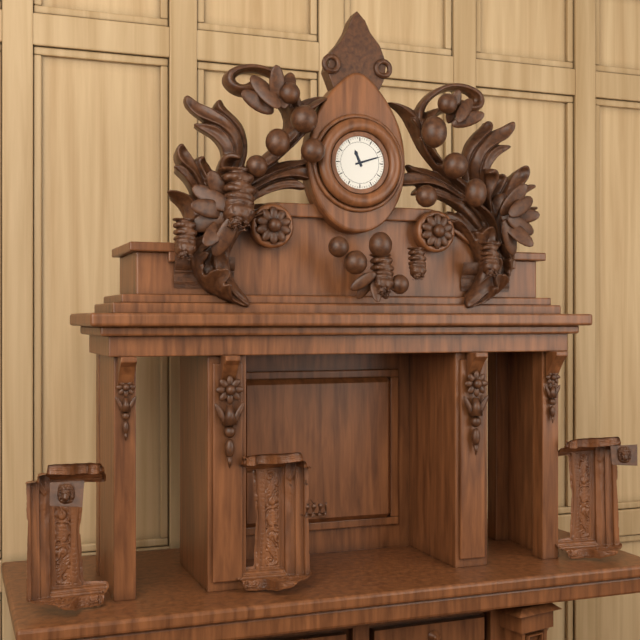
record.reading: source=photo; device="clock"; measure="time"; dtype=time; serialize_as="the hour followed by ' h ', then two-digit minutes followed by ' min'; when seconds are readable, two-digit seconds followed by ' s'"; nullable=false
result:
11 h 12 min
